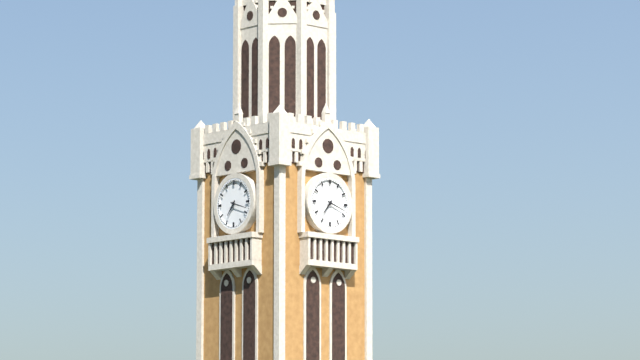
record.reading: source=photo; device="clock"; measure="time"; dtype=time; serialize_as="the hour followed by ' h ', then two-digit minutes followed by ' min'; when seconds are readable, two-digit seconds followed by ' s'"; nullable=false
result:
7 h 18 min
